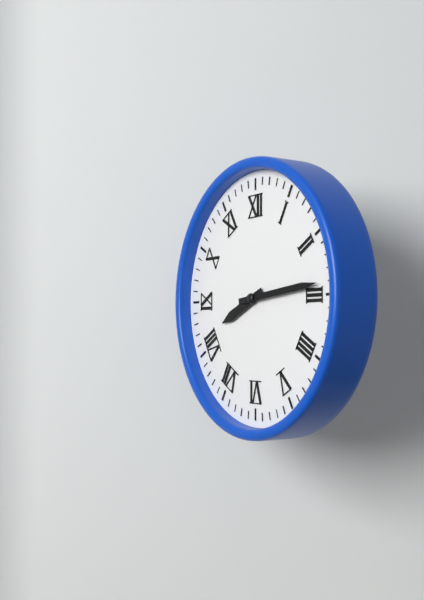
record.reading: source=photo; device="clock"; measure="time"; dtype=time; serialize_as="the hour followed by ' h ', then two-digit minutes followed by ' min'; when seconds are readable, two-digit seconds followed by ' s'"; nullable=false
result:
8 h 14 min
